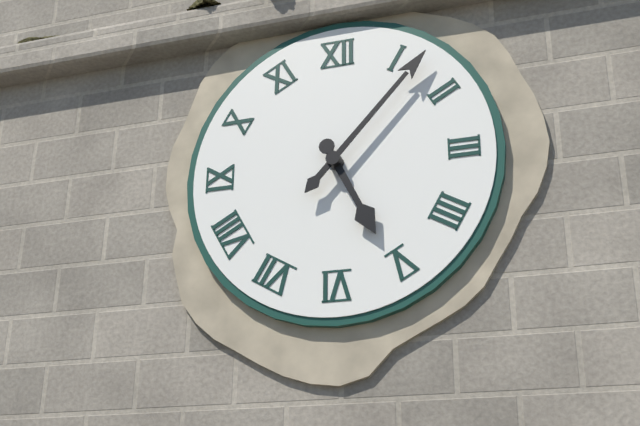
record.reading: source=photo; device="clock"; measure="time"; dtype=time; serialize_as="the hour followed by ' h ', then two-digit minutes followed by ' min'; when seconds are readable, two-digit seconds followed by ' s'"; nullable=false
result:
5 h 07 min
